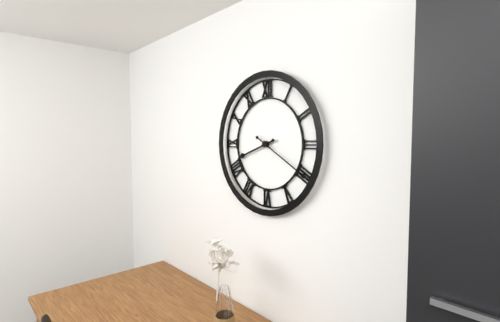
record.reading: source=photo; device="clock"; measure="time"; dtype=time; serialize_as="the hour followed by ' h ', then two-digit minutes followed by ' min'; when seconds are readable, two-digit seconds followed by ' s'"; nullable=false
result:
8 h 20 min
